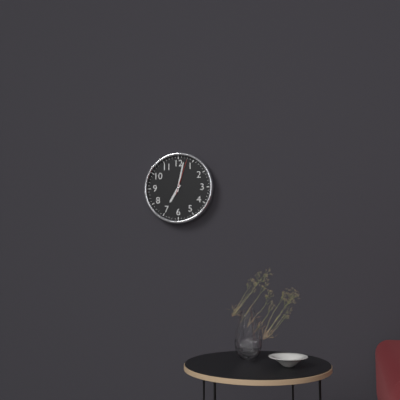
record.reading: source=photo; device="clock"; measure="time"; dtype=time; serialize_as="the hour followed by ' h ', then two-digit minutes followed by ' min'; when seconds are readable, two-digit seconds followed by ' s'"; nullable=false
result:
7 h 02 min
